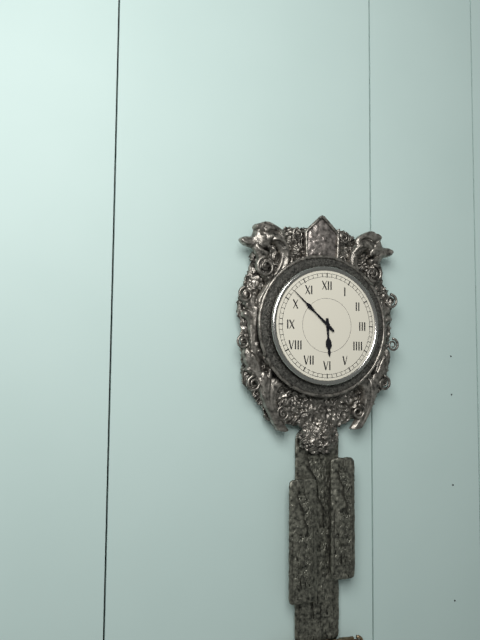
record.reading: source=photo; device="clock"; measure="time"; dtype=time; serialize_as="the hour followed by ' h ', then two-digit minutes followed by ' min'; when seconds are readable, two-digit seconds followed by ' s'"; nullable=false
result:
5 h 52 min
